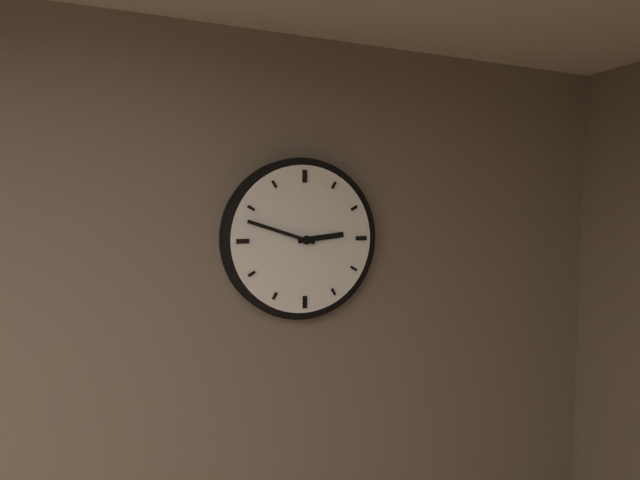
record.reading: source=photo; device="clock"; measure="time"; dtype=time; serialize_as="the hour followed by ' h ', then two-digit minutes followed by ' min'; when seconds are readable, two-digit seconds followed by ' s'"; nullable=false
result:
2 h 48 min
